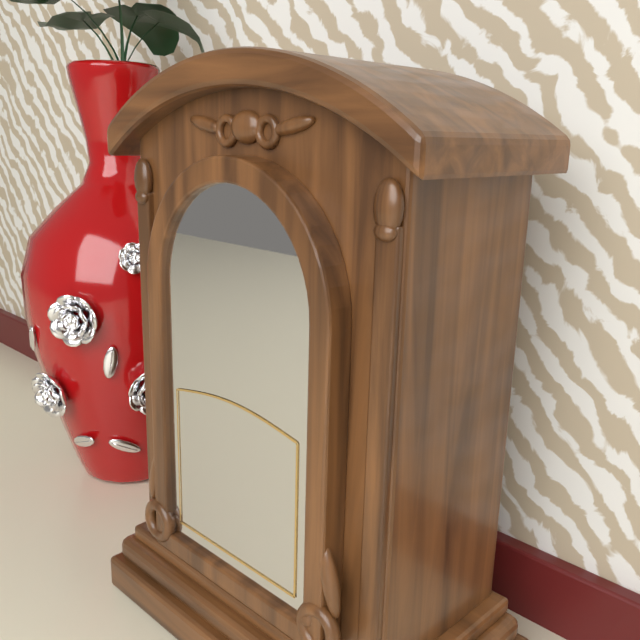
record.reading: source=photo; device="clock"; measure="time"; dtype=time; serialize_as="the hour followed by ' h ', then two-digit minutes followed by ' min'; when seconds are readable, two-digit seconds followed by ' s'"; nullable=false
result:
10 h 53 min
